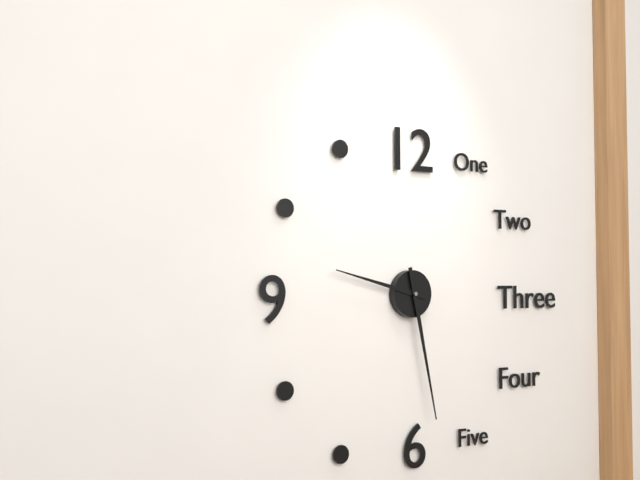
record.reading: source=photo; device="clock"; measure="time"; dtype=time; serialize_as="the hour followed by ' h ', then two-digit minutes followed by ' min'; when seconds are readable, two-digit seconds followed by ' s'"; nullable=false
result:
9 h 28 min
